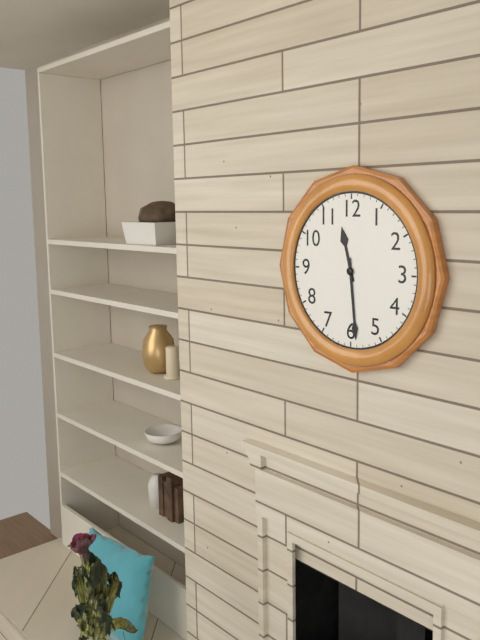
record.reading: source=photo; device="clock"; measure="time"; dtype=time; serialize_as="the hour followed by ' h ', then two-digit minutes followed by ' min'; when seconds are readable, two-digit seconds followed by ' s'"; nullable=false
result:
11 h 29 min
